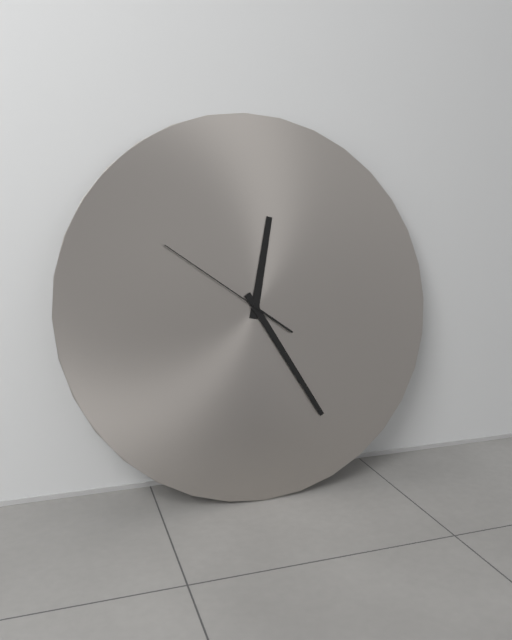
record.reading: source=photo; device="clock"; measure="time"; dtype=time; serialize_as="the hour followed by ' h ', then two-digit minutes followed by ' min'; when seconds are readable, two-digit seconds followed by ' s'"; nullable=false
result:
12 h 25 min 51 s
